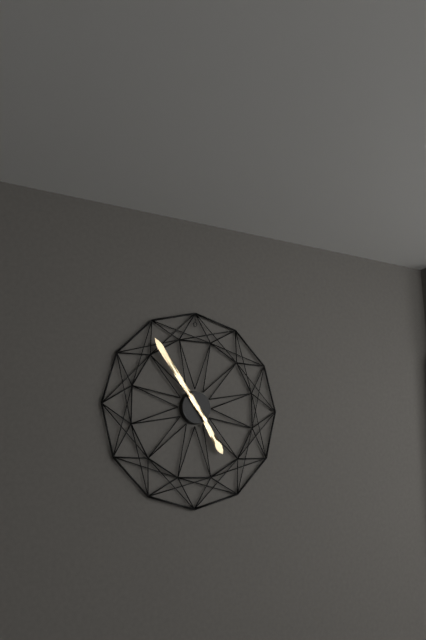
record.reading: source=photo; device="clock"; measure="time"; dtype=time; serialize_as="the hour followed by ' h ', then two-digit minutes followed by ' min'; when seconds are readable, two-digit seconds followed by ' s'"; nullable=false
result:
4 h 54 min
